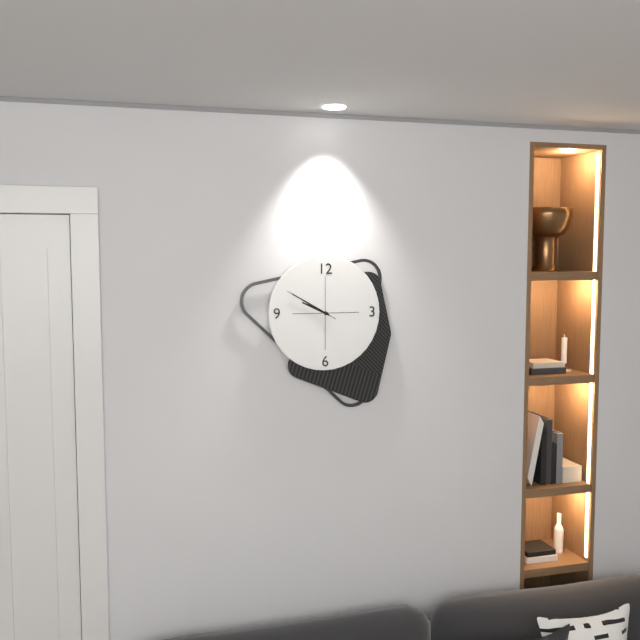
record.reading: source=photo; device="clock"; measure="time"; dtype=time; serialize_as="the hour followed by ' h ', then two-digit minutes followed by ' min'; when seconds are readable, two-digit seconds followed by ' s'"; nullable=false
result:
9 h 50 min 50 s
